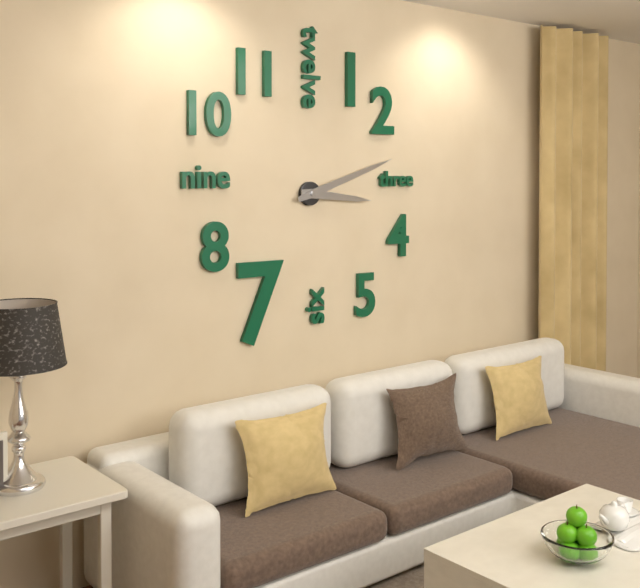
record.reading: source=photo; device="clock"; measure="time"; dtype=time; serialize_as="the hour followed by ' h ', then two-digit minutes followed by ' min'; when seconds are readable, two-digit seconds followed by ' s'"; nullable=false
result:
3 h 12 min
